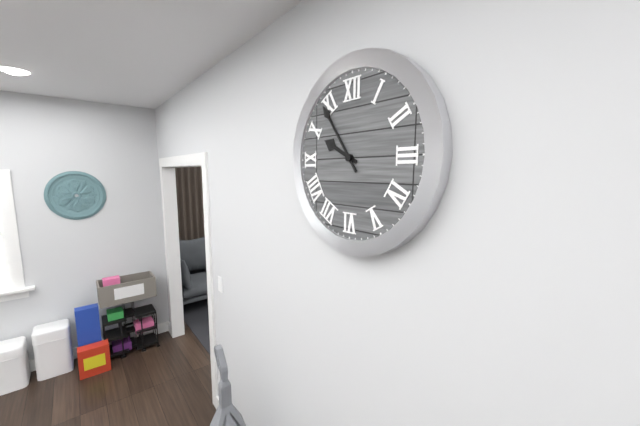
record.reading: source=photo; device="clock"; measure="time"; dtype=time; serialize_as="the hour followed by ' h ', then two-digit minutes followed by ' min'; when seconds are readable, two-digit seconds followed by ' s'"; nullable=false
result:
9 h 54 min
